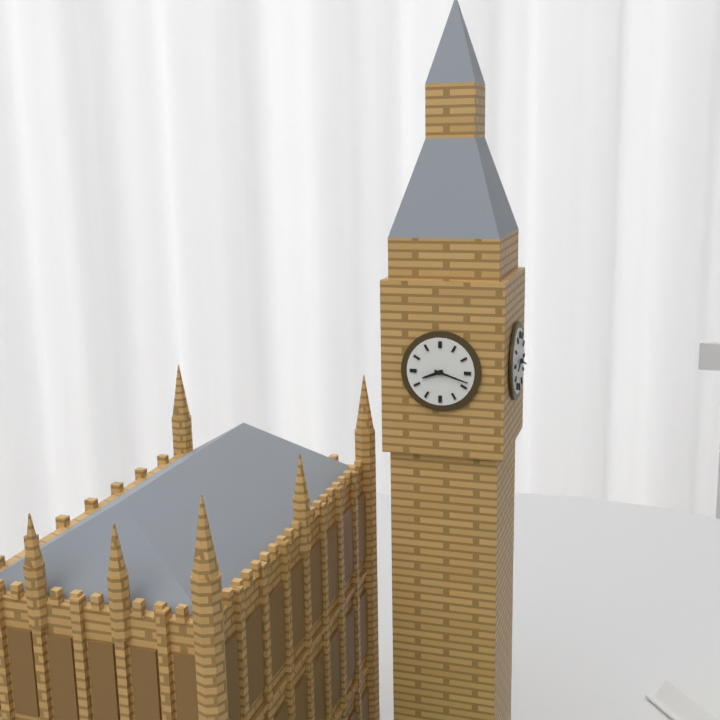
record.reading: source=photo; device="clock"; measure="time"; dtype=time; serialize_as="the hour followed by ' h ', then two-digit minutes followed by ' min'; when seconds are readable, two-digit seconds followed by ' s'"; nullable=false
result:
8 h 18 min
